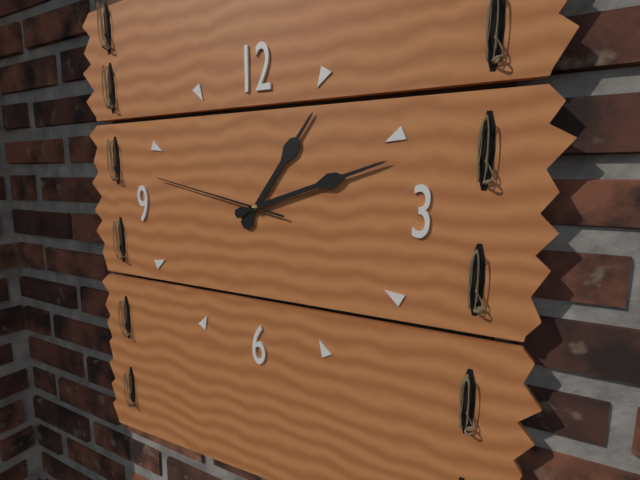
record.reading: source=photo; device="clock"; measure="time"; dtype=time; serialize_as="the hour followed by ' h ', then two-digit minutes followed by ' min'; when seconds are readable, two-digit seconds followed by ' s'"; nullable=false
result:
1 h 12 min 47 s
